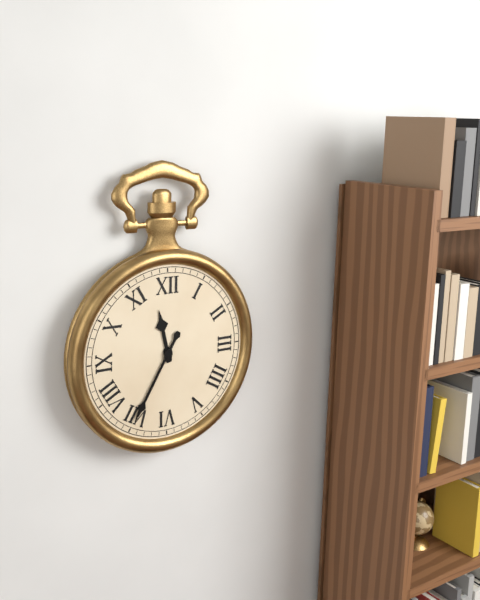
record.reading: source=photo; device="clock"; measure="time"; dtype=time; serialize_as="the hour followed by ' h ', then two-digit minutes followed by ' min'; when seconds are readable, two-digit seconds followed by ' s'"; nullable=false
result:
11 h 35 min
